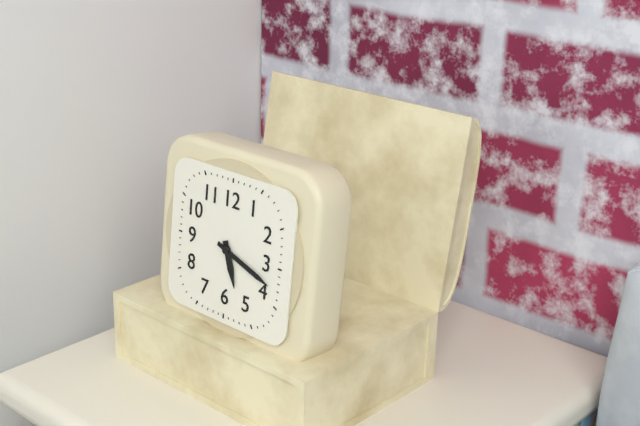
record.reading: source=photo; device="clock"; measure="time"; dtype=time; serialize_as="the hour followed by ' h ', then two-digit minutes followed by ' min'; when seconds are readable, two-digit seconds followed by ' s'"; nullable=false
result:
5 h 18 min
